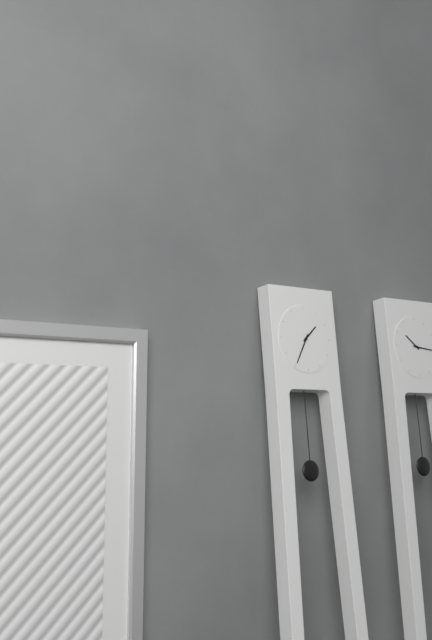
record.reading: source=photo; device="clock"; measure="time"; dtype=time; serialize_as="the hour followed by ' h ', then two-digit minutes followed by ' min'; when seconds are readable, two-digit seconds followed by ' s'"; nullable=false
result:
1 h 35 min
